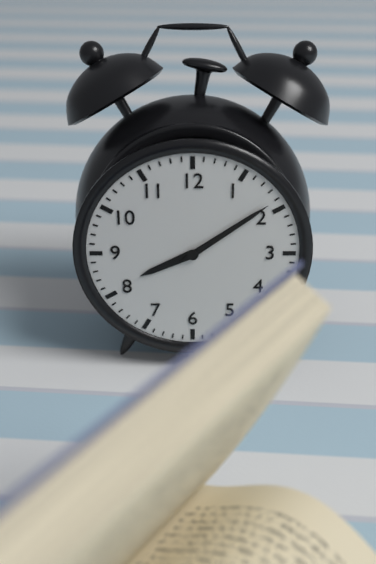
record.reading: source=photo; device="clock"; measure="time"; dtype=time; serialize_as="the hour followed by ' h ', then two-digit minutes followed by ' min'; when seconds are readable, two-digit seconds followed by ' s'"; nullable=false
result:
8 h 09 min
